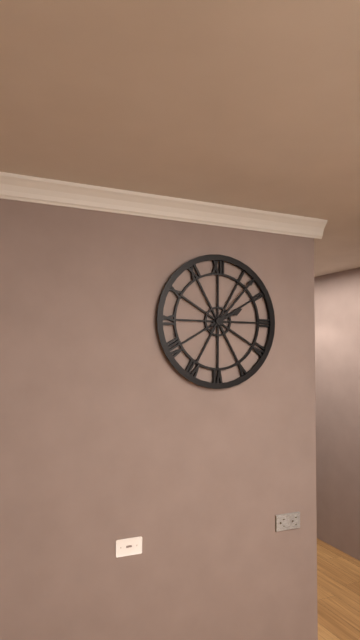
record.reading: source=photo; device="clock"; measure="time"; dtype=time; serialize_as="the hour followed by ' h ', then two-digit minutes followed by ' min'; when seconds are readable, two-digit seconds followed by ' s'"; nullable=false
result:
2 h 07 min
